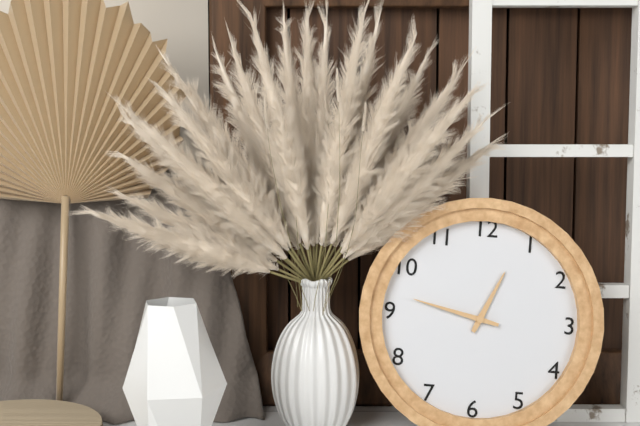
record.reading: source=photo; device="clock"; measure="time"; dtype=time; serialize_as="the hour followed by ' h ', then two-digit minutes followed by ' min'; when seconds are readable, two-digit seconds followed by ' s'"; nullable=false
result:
12 h 47 min
